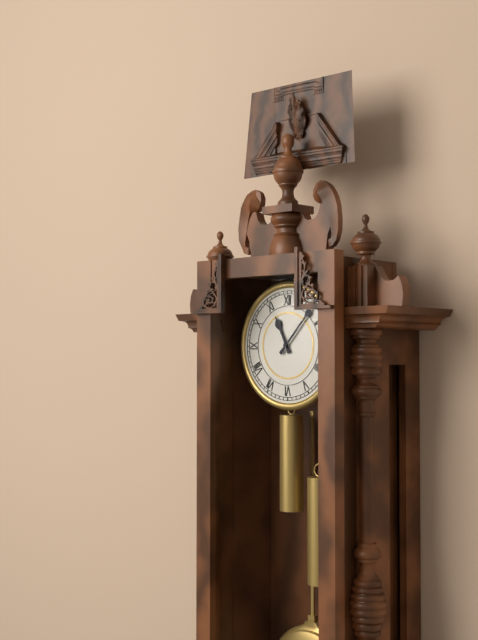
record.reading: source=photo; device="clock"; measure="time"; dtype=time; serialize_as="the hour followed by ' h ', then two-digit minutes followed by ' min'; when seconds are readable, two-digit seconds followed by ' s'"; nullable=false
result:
11 h 07 min
